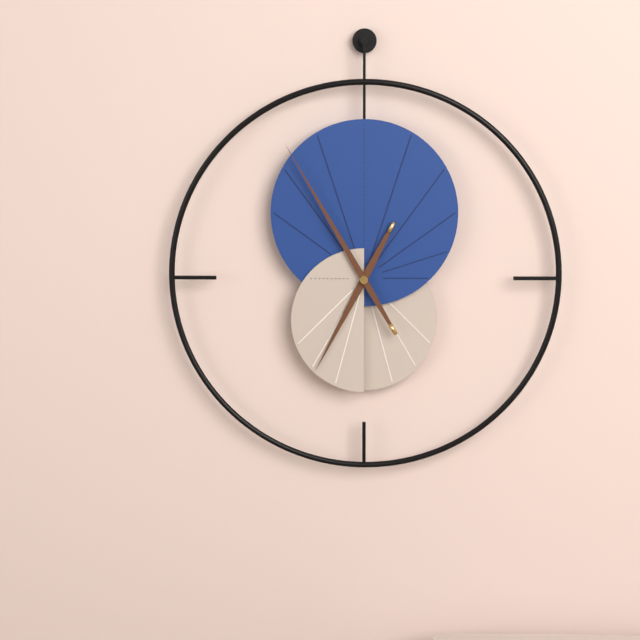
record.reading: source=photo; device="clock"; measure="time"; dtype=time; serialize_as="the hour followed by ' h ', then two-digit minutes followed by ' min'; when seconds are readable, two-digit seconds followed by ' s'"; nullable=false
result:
6 h 55 min
